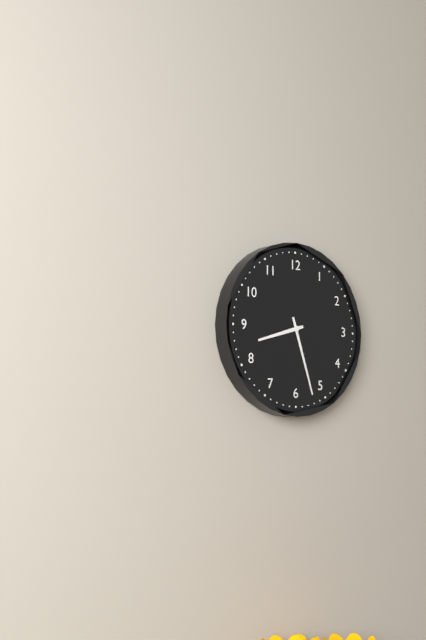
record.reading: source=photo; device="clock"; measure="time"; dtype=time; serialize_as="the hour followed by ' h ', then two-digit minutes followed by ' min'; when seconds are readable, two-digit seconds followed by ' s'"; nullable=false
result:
8 h 27 min
